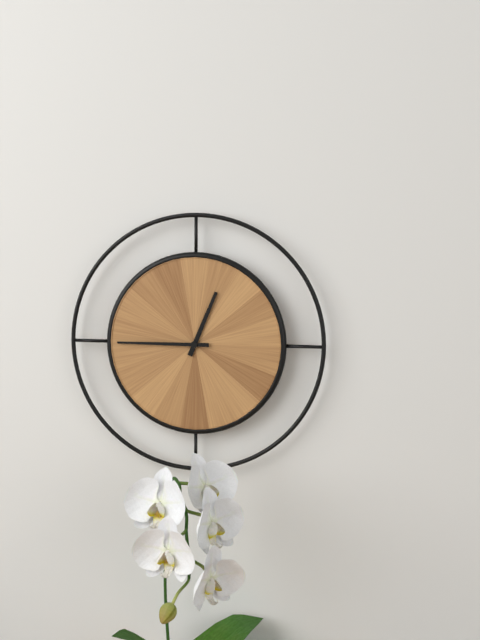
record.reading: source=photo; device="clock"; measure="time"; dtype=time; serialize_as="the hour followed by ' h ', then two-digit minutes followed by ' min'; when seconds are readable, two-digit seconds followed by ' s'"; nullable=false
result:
12 h 45 min
